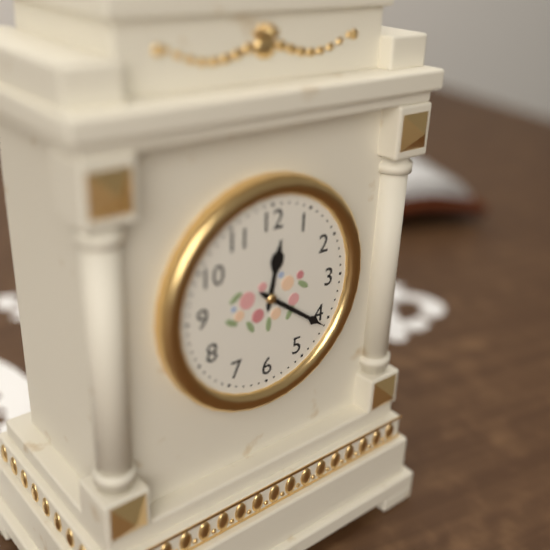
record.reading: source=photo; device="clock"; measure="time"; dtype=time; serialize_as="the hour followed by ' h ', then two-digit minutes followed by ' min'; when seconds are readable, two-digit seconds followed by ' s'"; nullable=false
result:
12 h 21 min
